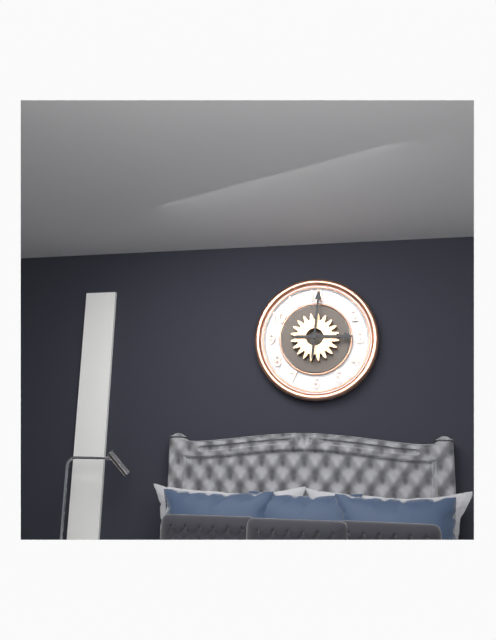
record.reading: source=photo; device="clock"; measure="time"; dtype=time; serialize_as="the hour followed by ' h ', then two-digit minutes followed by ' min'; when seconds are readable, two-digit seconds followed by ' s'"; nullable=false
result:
3 h 01 min
